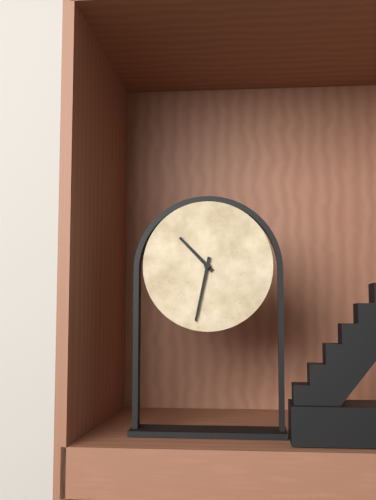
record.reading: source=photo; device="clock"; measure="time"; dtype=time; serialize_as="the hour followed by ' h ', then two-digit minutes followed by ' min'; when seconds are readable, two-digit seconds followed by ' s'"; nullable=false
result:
10 h 32 min
